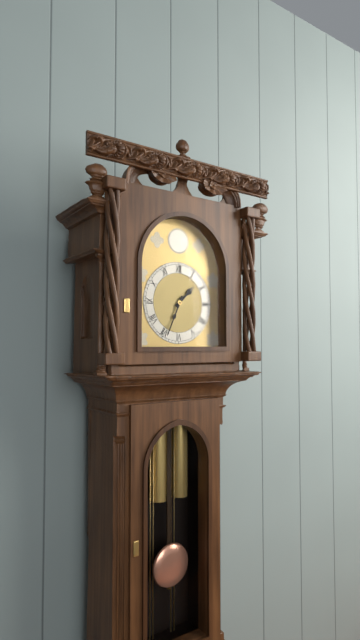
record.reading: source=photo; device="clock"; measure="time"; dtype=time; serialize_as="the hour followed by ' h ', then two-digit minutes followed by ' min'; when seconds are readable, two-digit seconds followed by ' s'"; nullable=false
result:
1 h 34 min
